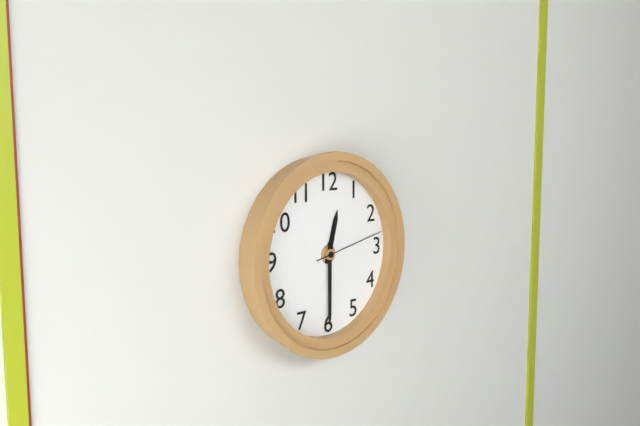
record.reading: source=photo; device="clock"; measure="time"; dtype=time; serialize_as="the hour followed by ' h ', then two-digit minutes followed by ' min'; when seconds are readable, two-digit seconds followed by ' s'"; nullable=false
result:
12 h 30 min 13 s
